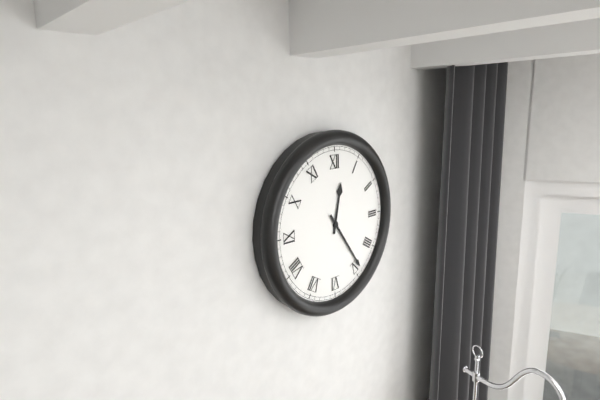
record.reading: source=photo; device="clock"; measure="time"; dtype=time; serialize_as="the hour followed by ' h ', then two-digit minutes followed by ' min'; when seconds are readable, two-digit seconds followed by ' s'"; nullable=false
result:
12 h 24 min
